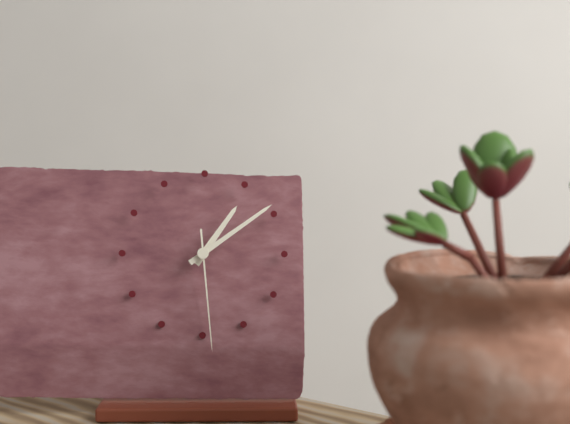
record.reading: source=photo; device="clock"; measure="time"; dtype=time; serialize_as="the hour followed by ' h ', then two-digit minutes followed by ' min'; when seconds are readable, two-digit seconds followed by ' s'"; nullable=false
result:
1 h 09 min 29 s
